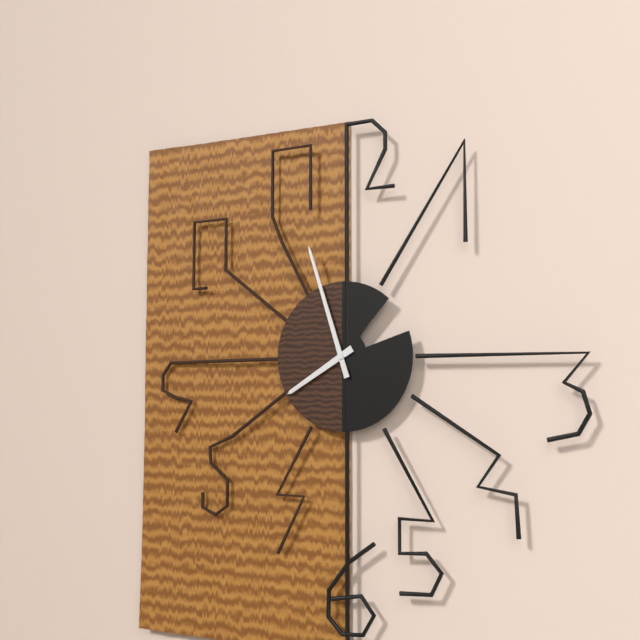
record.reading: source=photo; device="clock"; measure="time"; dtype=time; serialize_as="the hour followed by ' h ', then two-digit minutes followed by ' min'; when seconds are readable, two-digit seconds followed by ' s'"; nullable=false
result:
7 h 57 min
